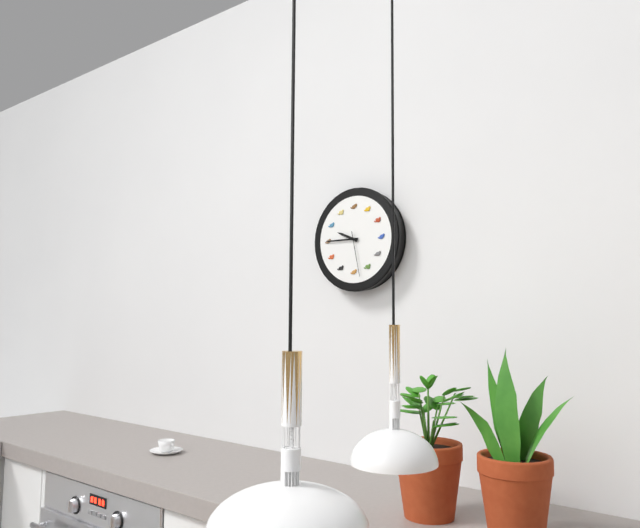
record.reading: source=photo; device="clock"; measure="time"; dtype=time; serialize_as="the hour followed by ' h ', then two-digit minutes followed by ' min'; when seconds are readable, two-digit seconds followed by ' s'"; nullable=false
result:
9 h 45 min
